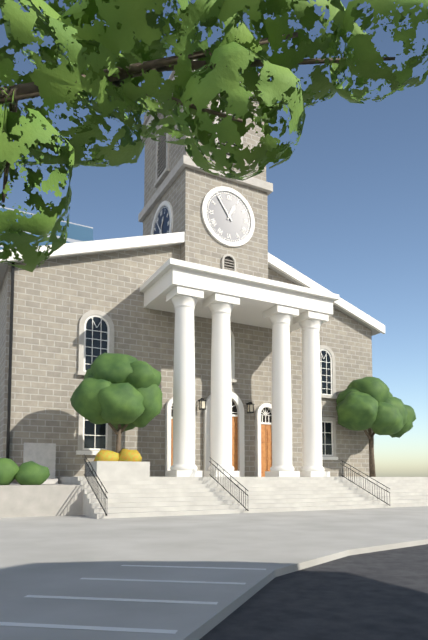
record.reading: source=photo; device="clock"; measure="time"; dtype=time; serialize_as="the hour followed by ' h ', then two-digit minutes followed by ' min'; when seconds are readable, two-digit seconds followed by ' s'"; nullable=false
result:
12 h 54 min
